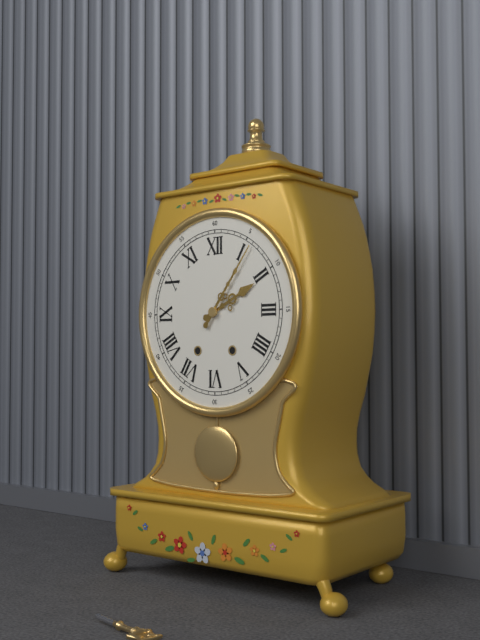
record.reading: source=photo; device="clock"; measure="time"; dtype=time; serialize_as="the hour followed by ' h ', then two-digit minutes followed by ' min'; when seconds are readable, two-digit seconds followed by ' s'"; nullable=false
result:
2 h 06 min
